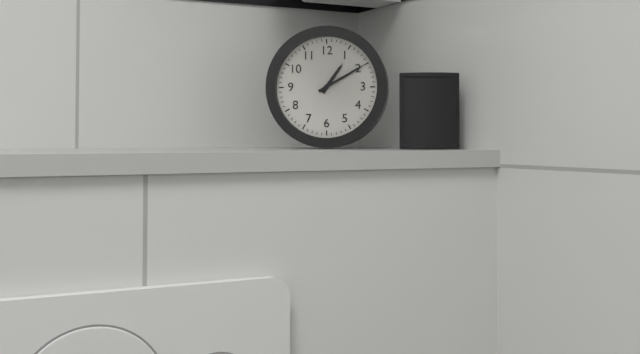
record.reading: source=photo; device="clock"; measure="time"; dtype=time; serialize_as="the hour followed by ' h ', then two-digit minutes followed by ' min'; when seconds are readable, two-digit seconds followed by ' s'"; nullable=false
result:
1 h 10 min
